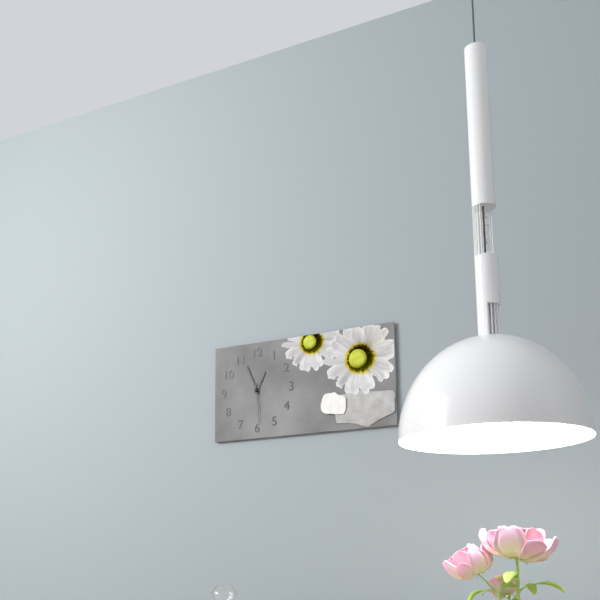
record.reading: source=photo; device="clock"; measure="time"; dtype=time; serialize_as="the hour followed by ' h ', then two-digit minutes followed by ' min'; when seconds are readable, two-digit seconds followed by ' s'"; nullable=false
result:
12 h 56 min
